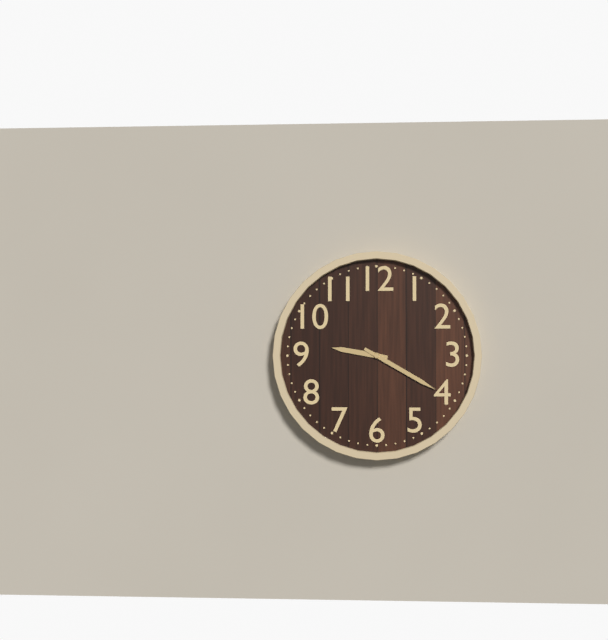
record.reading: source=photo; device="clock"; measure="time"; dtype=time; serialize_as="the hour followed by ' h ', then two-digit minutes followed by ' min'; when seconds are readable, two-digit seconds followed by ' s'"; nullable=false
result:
9 h 20 min
